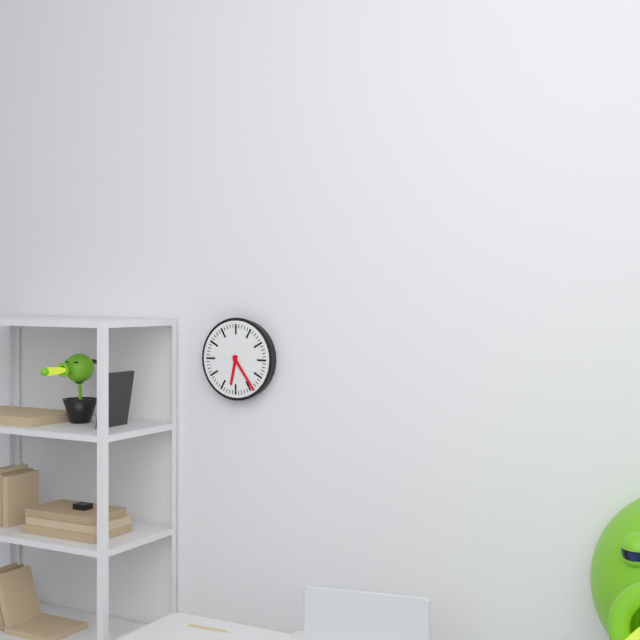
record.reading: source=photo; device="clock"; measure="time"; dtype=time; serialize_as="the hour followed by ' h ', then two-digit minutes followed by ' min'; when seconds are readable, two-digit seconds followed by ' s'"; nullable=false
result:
6 h 24 min
